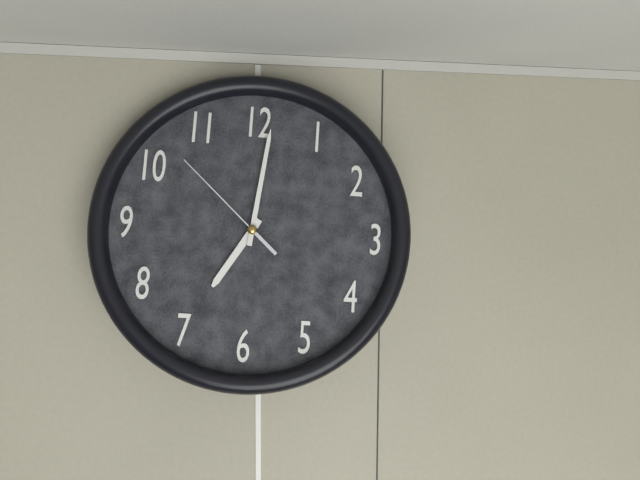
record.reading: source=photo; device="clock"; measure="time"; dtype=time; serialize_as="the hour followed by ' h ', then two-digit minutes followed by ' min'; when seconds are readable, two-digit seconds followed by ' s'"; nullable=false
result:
7 h 01 min 52 s
